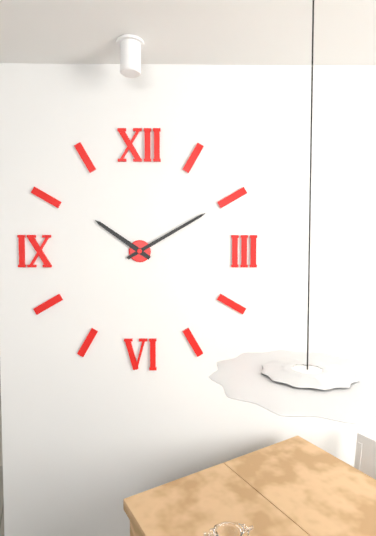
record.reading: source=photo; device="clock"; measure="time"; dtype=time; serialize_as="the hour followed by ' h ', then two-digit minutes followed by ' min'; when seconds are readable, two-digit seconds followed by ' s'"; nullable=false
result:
10 h 10 min
